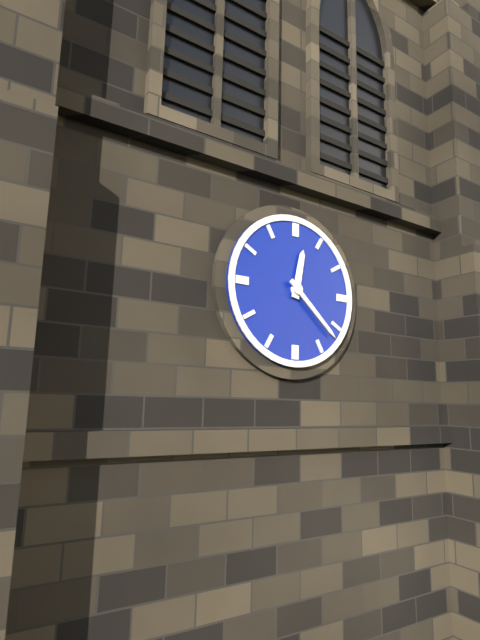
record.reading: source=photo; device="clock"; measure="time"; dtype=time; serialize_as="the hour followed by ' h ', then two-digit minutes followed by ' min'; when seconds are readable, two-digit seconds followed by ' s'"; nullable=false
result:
12 h 22 min
